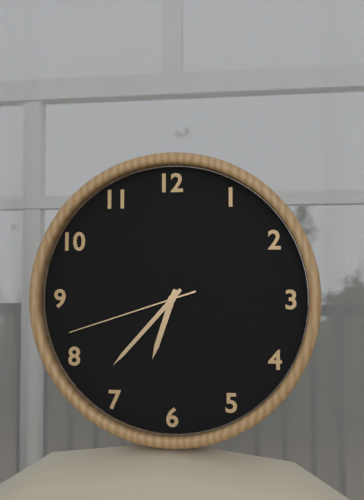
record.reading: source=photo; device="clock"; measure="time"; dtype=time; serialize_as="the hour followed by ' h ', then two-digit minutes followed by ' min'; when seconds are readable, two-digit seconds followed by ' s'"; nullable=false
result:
6 h 37 min 42 s
